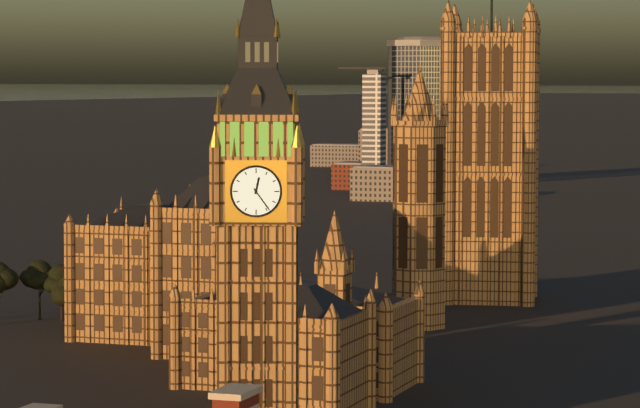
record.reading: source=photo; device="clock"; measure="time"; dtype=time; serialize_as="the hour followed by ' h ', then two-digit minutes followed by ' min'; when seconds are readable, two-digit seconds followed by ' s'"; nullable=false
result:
12 h 24 min
